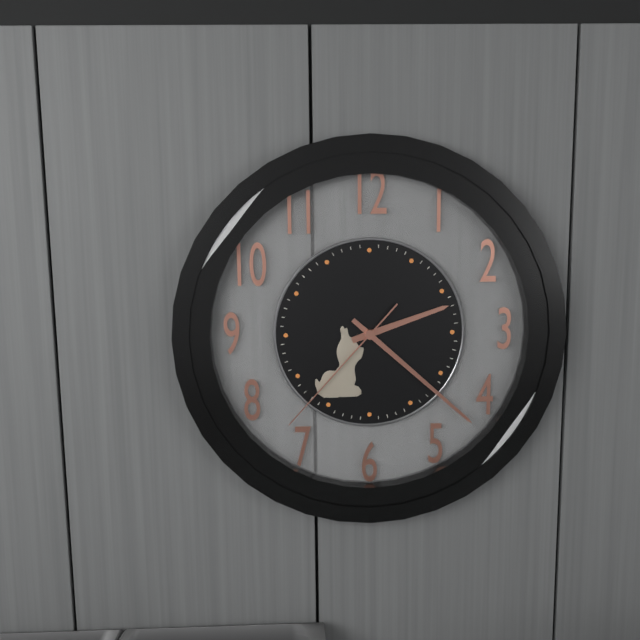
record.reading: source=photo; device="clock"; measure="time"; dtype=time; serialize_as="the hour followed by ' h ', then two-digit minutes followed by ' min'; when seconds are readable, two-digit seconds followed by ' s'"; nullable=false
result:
2 h 22 min 37 s
